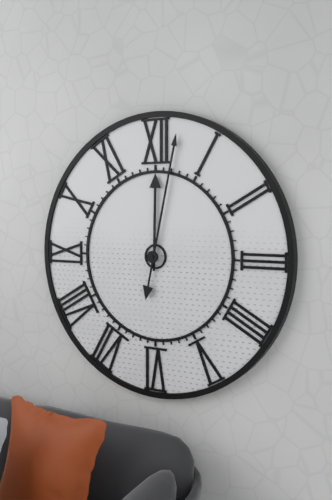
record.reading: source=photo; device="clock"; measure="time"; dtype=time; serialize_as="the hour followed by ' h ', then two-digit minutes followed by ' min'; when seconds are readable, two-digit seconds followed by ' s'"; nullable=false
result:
12 h 02 min
